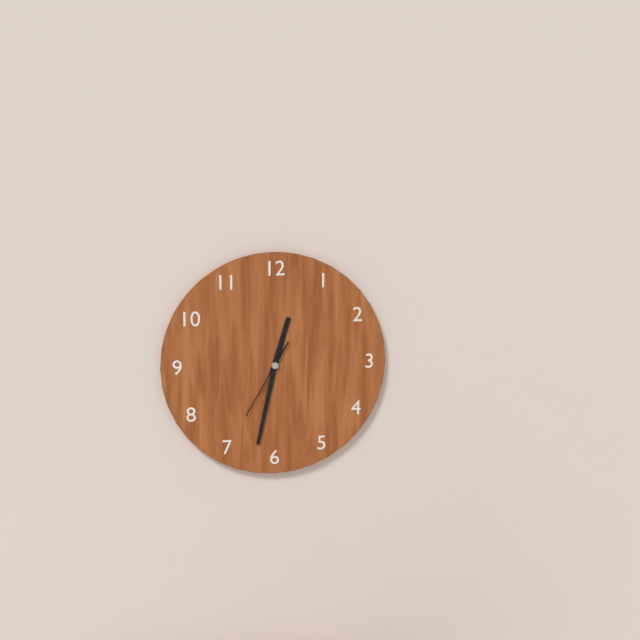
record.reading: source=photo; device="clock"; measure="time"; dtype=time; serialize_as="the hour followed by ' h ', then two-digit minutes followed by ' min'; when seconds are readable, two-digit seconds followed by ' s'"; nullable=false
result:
12 h 32 min 35 s
